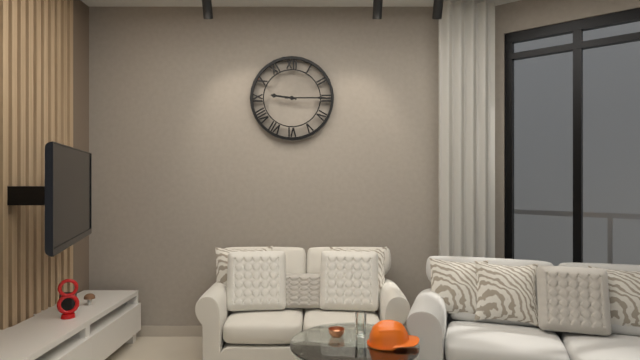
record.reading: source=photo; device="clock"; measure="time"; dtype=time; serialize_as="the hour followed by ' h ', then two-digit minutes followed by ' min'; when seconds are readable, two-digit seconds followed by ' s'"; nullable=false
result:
9 h 15 min
